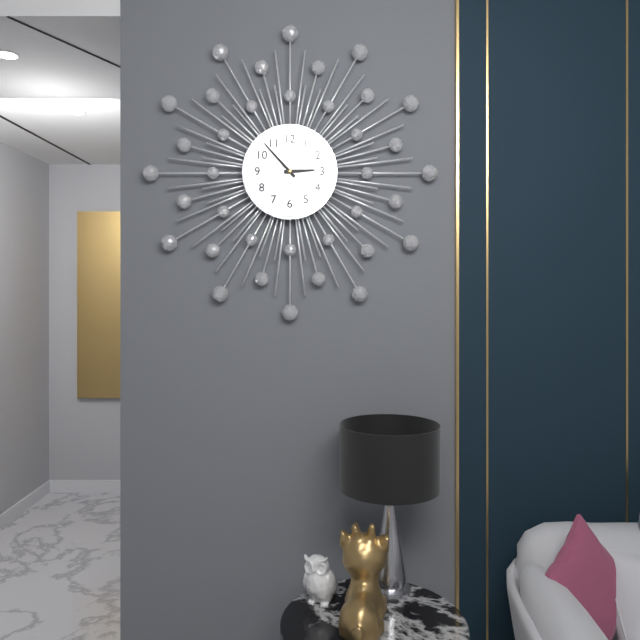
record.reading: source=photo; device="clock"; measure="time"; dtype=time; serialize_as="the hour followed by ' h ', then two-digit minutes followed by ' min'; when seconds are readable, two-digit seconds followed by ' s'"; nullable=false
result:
2 h 53 min
